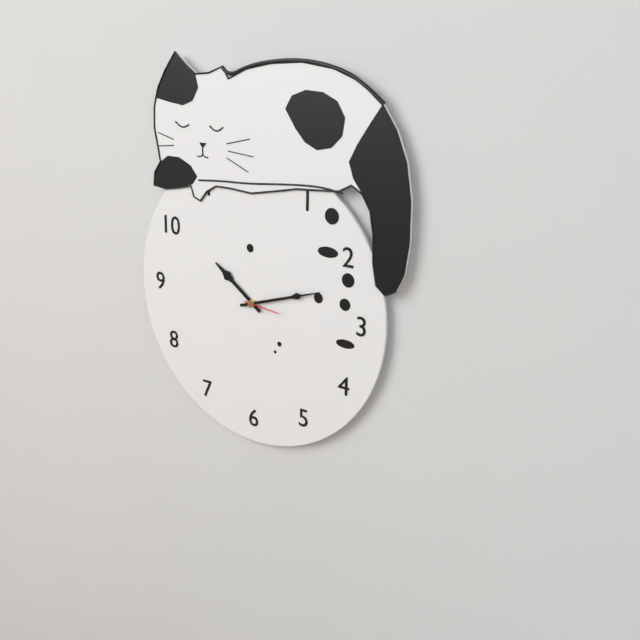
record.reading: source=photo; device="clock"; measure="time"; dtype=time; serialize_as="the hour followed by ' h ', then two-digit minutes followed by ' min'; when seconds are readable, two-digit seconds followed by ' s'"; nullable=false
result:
10 h 12 min
